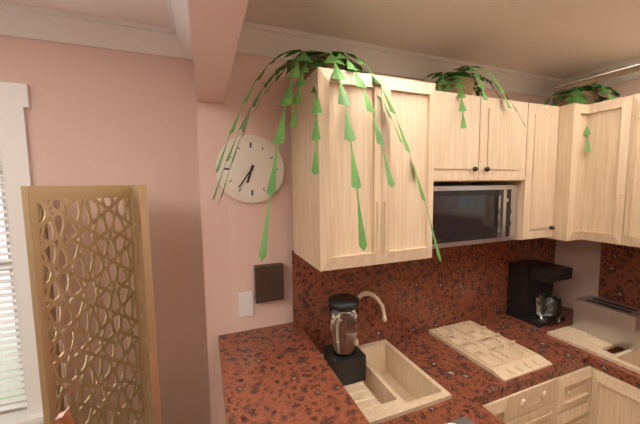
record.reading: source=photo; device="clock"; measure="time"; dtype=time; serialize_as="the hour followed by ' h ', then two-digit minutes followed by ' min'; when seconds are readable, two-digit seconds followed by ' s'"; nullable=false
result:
6 h 36 min
